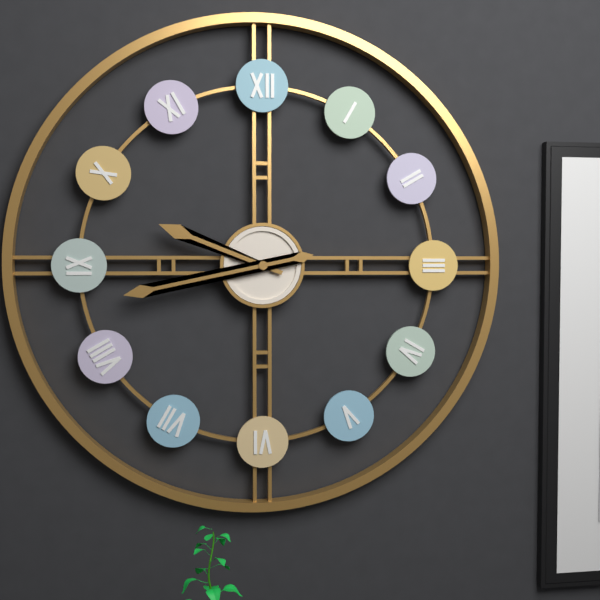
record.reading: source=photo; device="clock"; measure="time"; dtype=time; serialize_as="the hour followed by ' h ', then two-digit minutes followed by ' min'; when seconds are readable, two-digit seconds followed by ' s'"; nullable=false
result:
9 h 43 min
